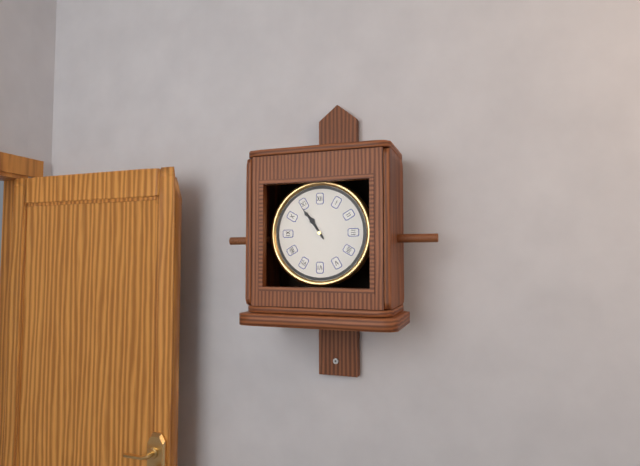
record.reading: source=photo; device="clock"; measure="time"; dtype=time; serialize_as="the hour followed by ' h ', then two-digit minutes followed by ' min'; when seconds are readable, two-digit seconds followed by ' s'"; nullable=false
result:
10 h 54 min
